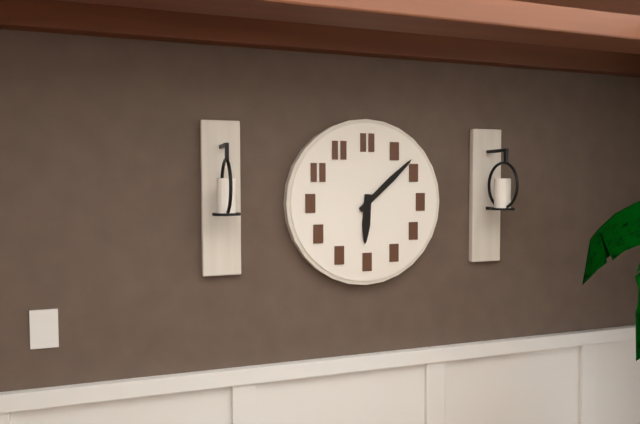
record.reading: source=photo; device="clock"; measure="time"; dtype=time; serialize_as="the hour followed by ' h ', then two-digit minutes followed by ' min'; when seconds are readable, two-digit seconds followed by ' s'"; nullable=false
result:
6 h 08 min
